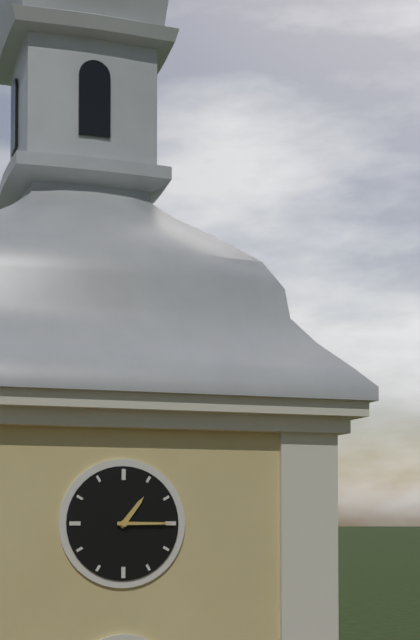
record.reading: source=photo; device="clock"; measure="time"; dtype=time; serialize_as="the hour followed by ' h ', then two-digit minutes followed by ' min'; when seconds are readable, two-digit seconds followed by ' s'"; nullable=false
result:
1 h 15 min
